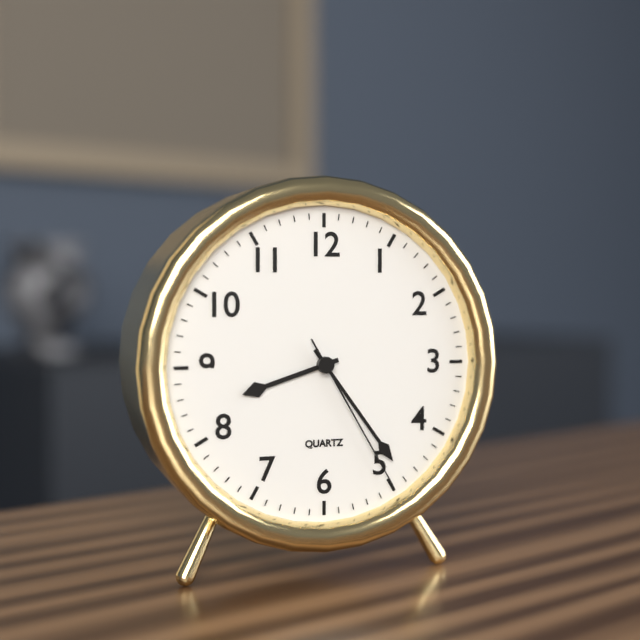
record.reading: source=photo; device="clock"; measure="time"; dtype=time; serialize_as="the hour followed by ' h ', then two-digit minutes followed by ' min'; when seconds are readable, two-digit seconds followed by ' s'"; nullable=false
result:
8 h 24 min 25 s
